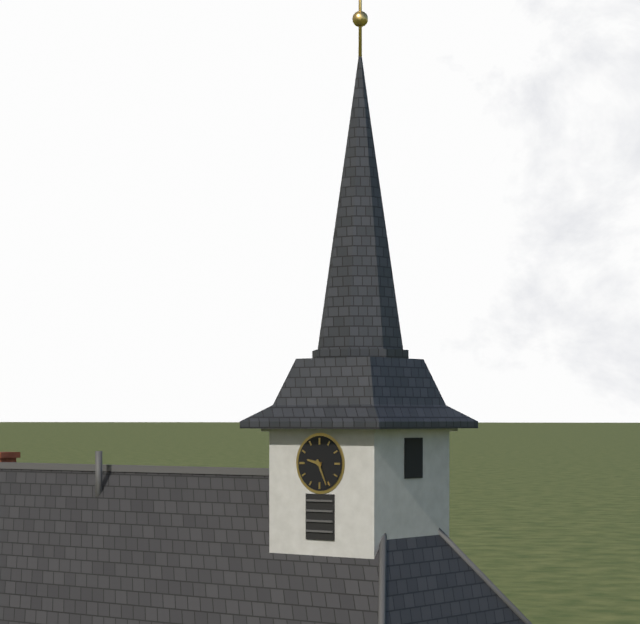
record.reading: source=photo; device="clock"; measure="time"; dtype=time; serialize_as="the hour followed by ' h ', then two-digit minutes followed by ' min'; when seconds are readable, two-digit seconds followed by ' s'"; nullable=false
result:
9 h 26 min
